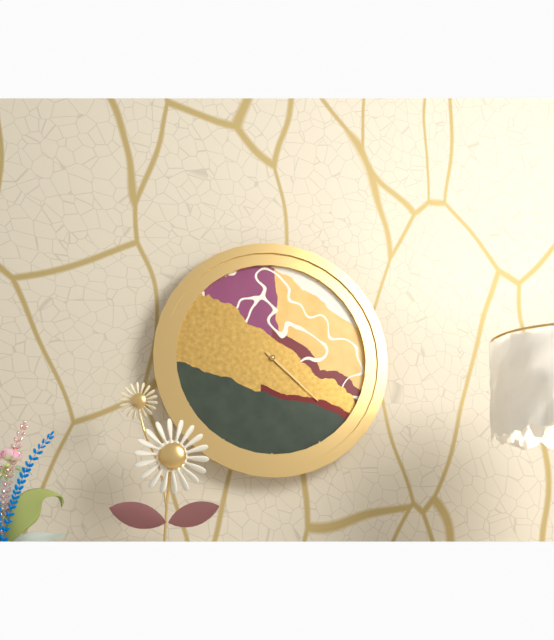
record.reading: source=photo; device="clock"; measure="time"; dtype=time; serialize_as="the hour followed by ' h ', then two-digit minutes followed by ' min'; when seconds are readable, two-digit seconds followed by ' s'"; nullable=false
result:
4 h 22 min
